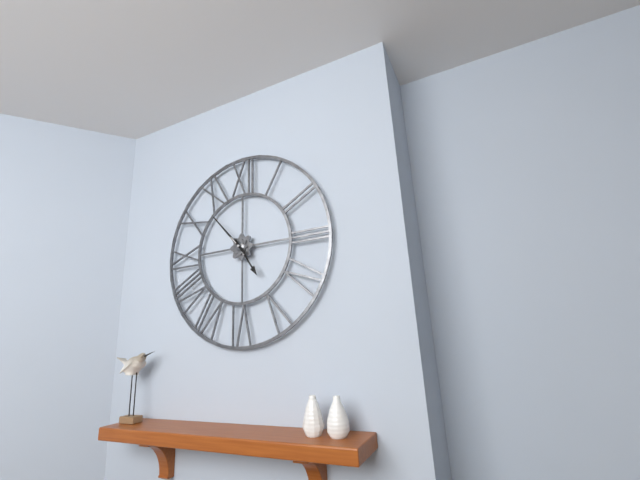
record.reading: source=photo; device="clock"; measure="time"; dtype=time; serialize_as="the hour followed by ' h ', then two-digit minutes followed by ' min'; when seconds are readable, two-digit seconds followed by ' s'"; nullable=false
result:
4 h 53 min
